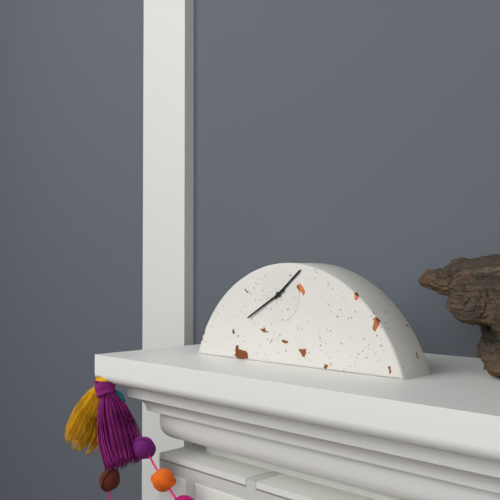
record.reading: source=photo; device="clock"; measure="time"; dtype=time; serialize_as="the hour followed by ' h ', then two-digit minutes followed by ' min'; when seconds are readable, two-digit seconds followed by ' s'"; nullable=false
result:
1 h 40 min
